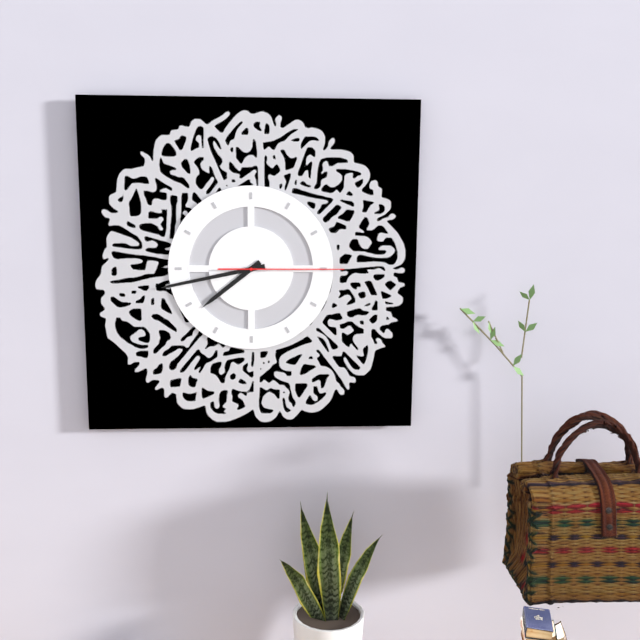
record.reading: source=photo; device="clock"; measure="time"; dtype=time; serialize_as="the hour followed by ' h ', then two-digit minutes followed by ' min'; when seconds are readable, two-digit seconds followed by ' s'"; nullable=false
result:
7 h 43 min 15 s
